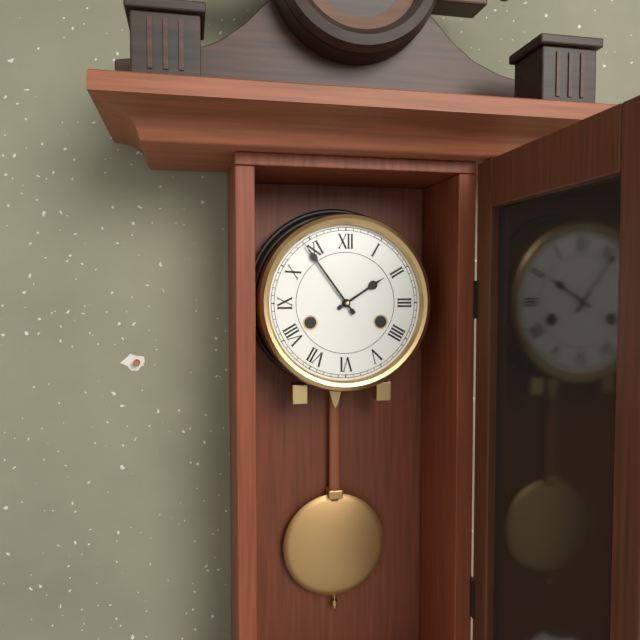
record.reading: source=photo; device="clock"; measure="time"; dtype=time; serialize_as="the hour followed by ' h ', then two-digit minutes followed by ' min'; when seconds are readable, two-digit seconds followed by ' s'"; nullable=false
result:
1 h 54 min
